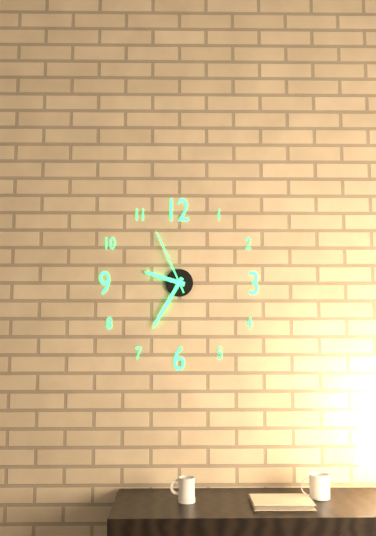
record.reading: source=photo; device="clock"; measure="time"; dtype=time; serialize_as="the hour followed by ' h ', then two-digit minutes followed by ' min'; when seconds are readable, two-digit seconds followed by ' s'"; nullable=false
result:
9 h 35 min 56 s
